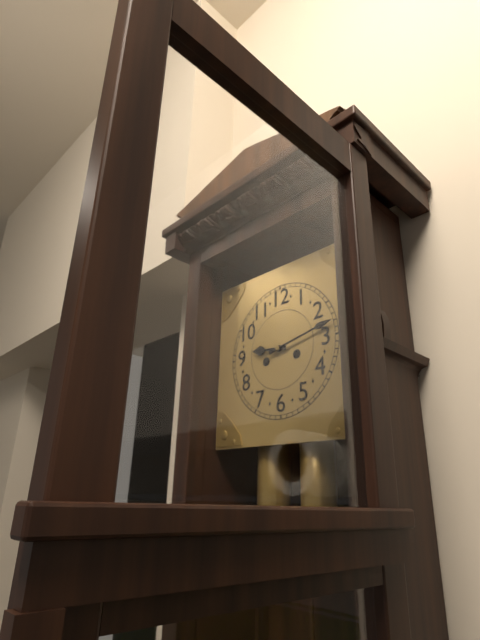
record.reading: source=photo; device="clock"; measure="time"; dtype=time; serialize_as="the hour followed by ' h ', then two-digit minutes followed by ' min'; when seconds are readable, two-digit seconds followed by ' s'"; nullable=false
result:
9 h 13 min
